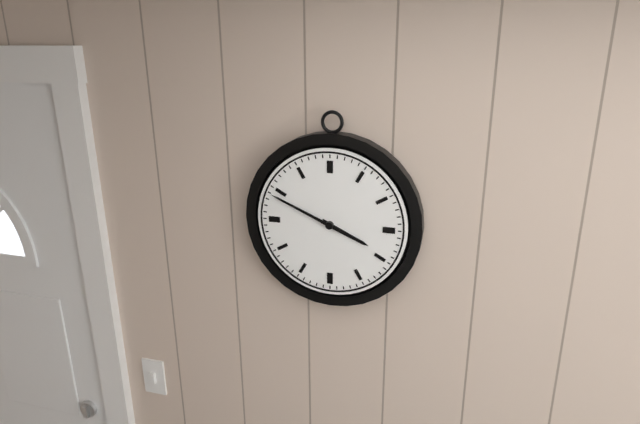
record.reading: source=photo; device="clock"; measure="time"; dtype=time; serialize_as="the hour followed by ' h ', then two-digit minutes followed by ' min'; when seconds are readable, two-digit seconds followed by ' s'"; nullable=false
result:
3 h 49 min
